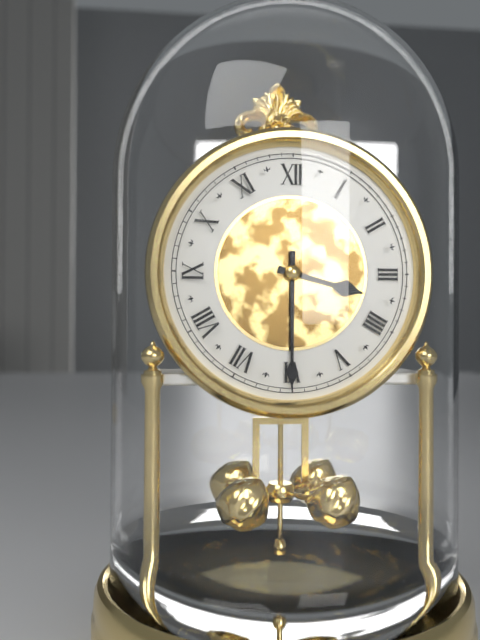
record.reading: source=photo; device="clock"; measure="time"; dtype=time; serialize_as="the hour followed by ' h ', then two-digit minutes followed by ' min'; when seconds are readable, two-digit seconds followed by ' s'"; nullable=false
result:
3 h 30 min
